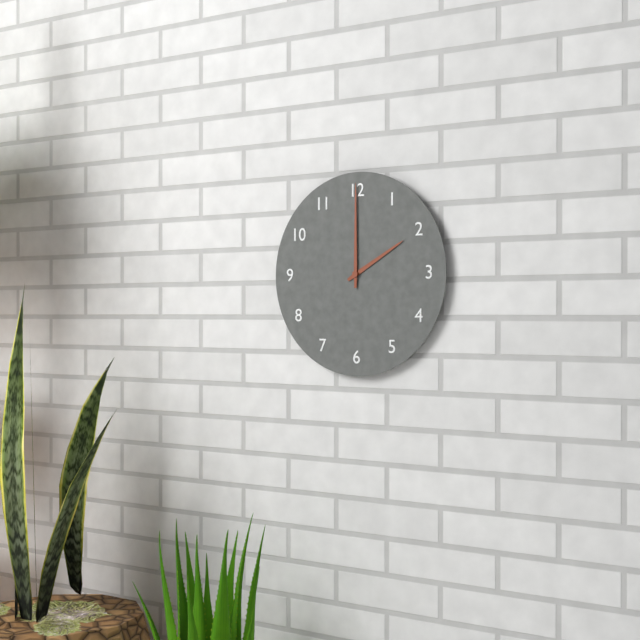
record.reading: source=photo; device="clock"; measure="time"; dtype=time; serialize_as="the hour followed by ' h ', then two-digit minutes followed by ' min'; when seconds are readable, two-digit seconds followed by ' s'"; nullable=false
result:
2 h 00 min
